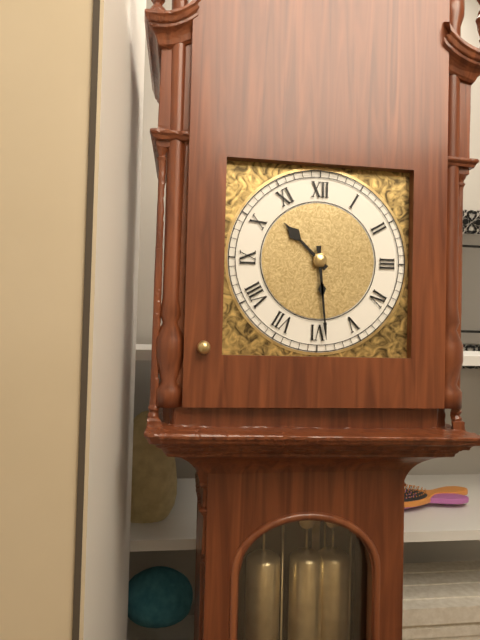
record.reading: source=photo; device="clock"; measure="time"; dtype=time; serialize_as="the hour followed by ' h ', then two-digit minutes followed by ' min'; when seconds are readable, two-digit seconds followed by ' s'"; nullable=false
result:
10 h 29 min
